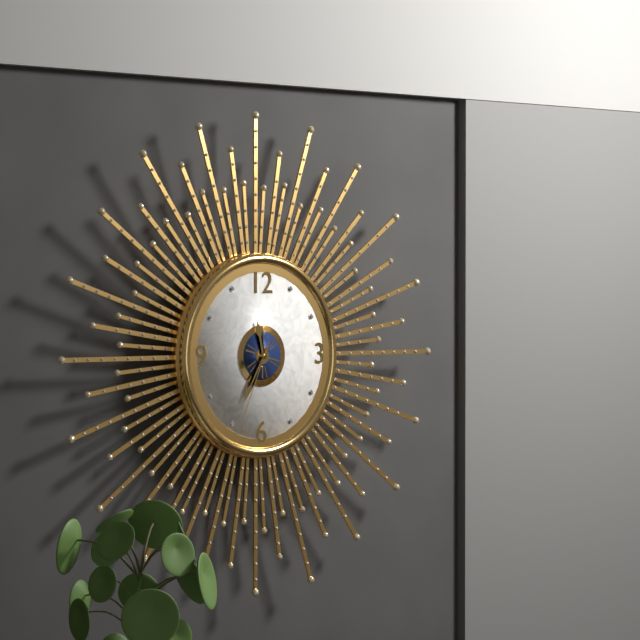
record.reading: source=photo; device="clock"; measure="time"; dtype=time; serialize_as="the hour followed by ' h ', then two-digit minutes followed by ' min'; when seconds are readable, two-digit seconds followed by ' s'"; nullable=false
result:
11 h 35 min 34 s
